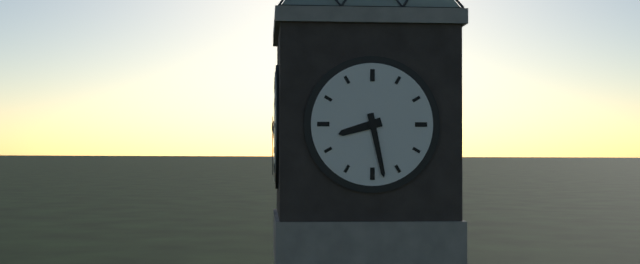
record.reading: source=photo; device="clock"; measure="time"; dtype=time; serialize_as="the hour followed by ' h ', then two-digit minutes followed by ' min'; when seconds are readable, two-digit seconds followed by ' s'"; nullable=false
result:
8 h 28 min
